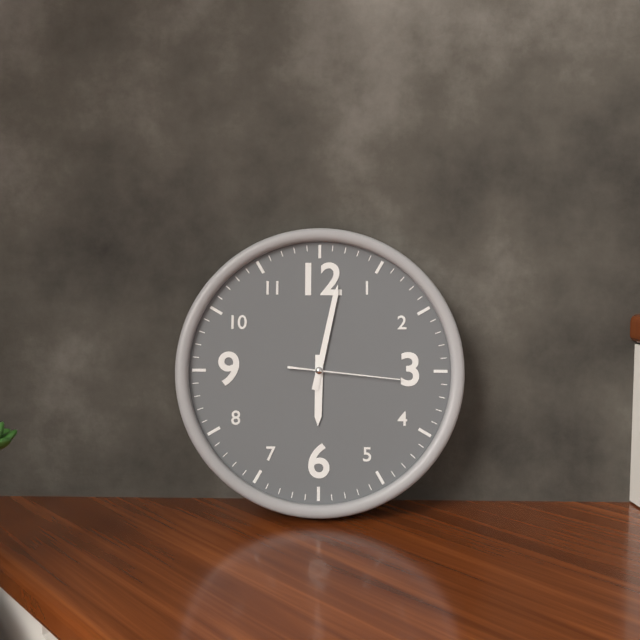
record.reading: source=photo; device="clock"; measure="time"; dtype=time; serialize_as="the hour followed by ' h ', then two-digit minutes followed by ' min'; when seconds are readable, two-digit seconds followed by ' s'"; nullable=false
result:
6 h 02 min 16 s
